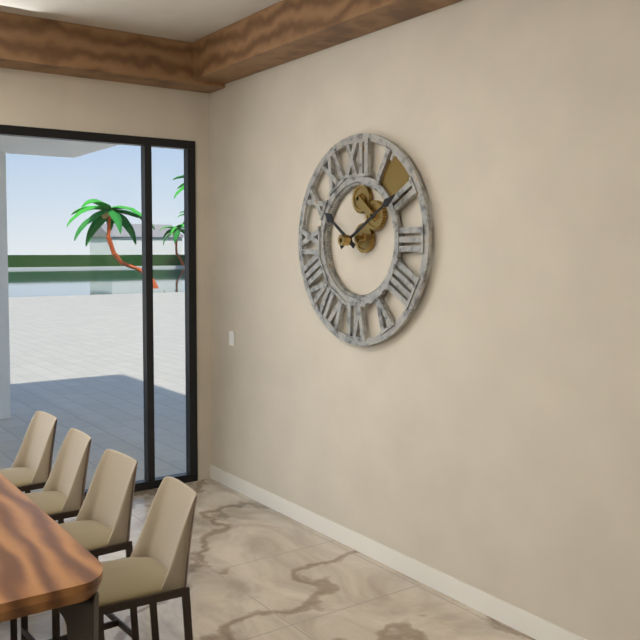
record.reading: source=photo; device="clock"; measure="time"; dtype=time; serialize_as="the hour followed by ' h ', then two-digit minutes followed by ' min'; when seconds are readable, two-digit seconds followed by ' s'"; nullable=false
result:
10 h 10 min
